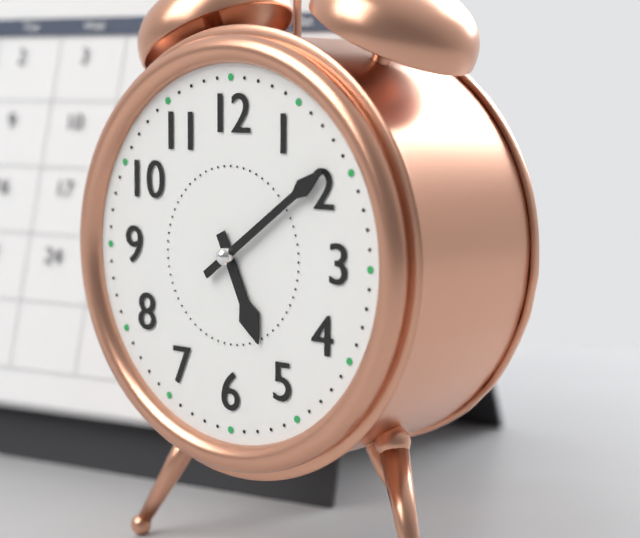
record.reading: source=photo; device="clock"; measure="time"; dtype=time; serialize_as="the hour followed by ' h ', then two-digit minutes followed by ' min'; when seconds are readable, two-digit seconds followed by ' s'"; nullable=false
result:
5 h 09 min
